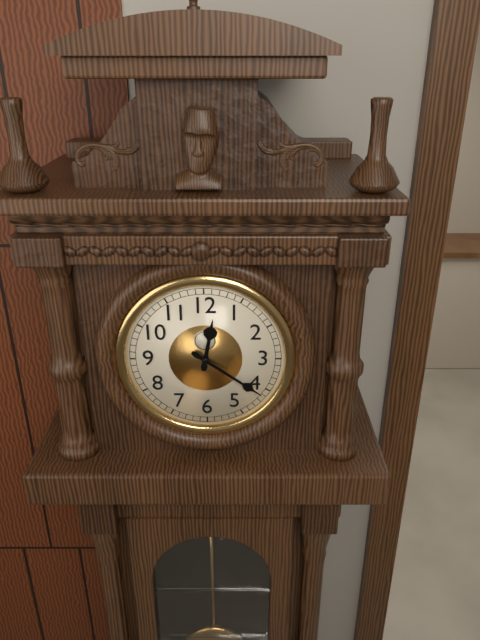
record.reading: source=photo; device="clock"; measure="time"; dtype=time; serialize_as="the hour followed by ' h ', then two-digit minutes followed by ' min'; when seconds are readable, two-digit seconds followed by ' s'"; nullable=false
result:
12 h 21 min
